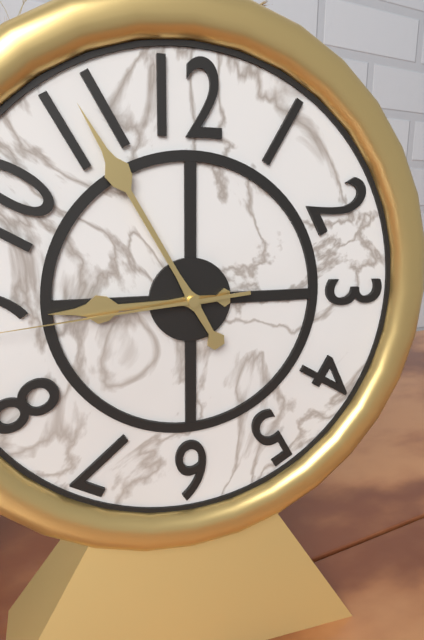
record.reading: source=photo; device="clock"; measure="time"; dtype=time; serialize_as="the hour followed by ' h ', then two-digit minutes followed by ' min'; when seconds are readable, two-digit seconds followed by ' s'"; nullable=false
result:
8 h 55 min
